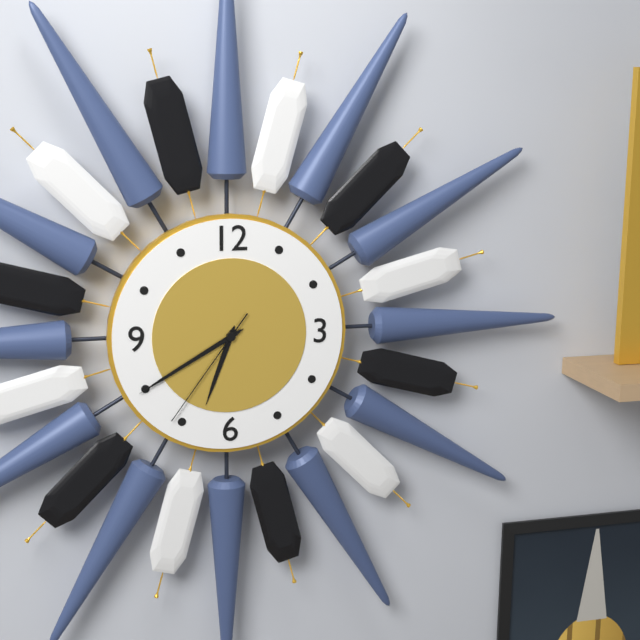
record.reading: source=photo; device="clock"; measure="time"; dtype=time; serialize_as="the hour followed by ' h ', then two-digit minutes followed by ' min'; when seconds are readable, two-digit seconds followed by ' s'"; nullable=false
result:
6 h 40 min 36 s
